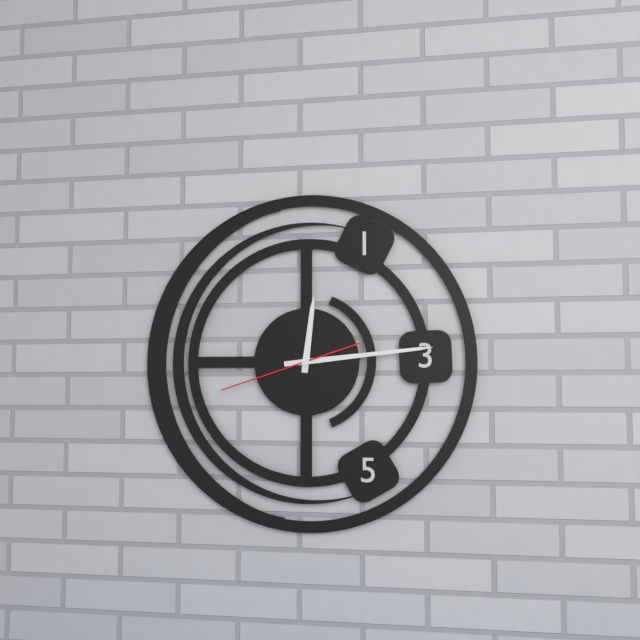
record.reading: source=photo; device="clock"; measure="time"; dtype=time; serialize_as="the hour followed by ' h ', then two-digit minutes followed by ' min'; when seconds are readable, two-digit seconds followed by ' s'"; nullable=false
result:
12 h 14 min 42 s
